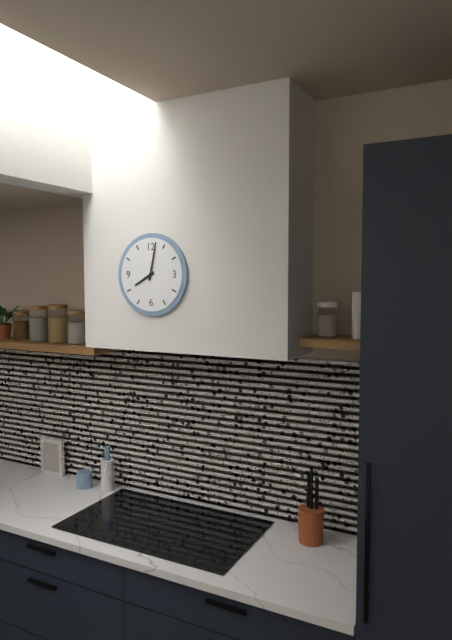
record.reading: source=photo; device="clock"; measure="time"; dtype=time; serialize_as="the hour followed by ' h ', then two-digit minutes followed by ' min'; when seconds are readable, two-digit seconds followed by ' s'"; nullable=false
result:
8 h 02 min
